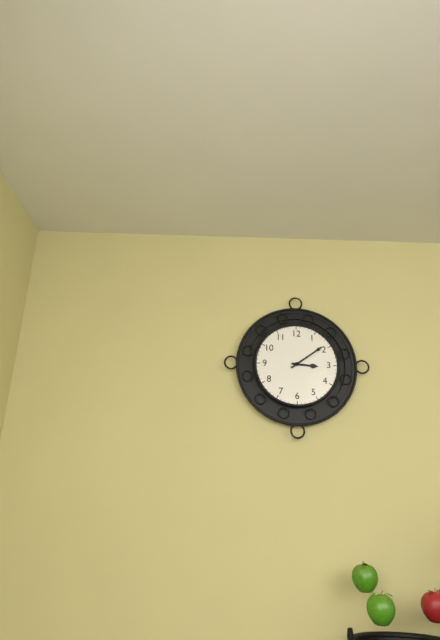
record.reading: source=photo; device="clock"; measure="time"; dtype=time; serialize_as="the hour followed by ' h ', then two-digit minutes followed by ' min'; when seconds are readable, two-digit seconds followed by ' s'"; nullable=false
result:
3 h 09 min
